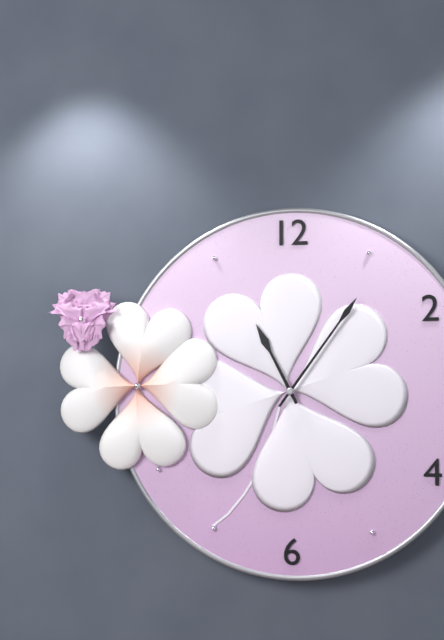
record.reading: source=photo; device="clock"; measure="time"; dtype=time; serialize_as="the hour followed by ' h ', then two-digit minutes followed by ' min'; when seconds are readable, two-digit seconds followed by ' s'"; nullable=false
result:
11 h 06 min
